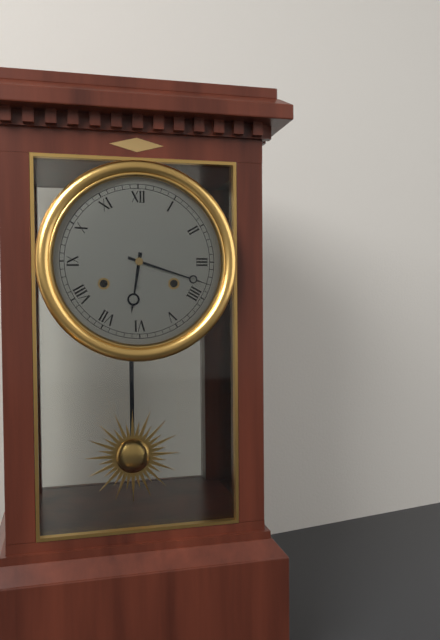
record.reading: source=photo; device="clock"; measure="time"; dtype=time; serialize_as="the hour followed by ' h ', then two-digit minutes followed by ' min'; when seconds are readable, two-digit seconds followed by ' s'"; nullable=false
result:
6 h 18 min
